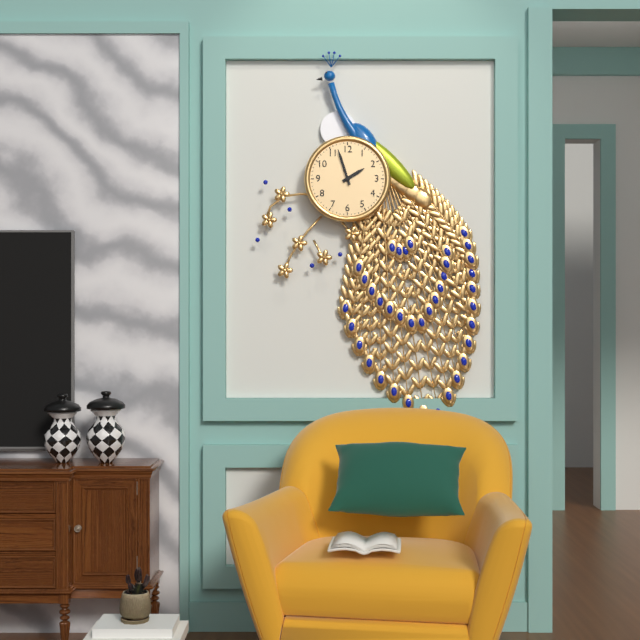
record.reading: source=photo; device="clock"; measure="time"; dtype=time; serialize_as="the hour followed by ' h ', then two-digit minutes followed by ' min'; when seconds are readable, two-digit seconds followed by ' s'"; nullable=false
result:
1 h 57 min
